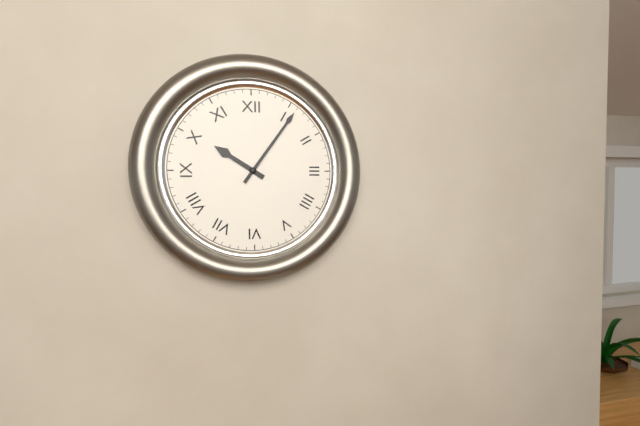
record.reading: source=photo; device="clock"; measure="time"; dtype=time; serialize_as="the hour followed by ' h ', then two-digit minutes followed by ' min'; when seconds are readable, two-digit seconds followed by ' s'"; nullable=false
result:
10 h 06 min
